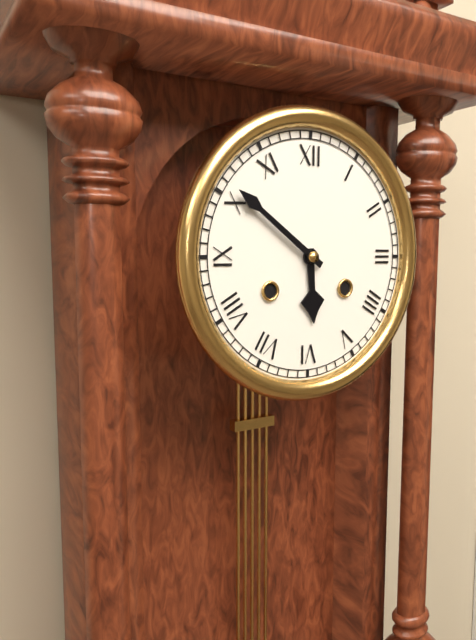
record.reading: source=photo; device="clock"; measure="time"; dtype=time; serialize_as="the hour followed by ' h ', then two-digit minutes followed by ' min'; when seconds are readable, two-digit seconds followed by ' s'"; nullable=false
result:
5 h 51 min
